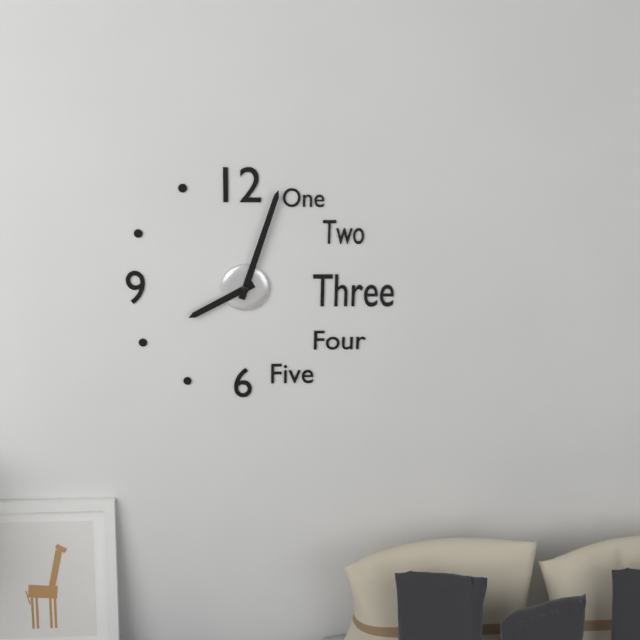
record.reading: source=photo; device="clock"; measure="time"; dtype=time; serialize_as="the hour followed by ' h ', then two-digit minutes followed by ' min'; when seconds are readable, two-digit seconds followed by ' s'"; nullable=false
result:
8 h 03 min
